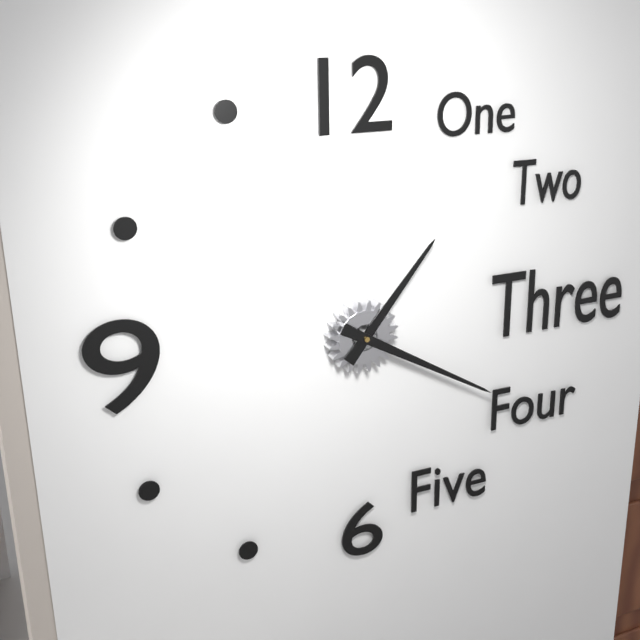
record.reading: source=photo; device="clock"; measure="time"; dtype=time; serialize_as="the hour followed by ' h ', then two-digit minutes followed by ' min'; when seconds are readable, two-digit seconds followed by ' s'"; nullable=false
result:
1 h 20 min
